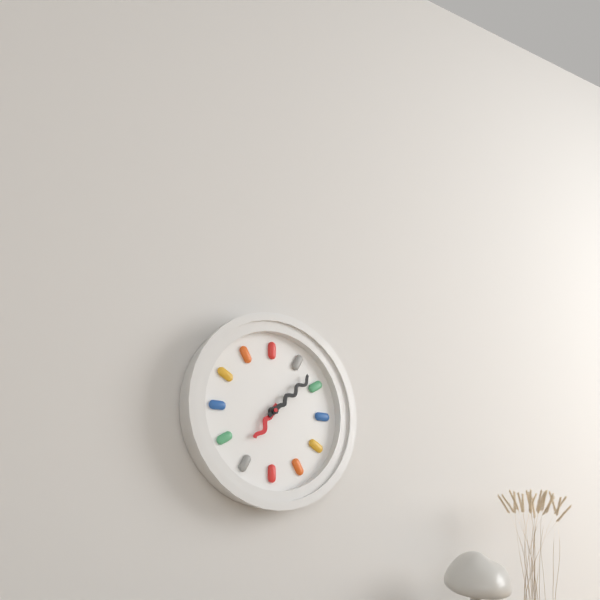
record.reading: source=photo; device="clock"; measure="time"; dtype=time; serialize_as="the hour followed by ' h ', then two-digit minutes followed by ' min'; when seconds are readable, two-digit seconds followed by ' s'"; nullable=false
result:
7 h 08 min
